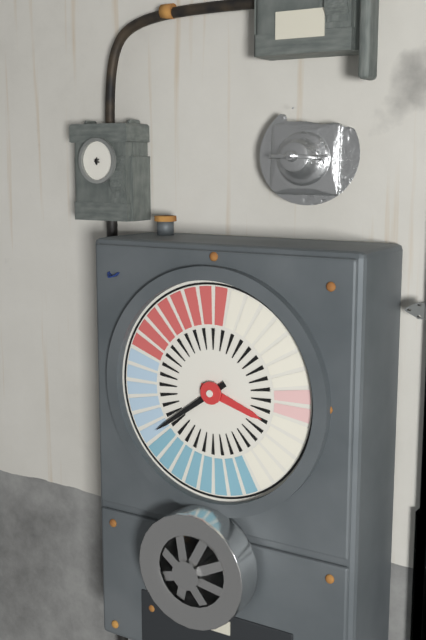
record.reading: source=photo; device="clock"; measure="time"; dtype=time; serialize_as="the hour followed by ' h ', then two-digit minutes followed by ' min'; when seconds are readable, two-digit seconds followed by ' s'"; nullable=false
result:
3 h 39 min
